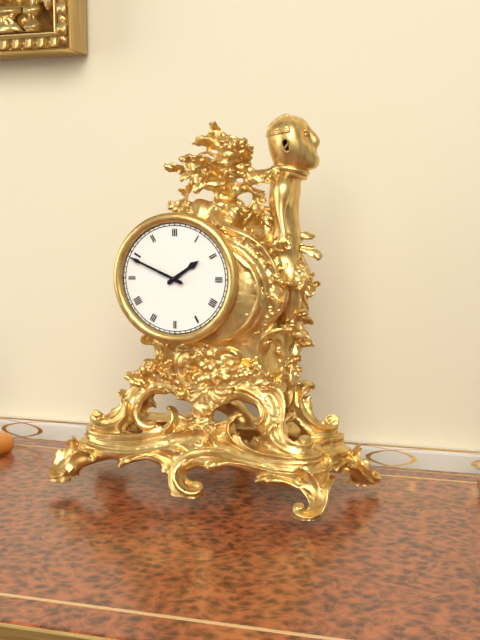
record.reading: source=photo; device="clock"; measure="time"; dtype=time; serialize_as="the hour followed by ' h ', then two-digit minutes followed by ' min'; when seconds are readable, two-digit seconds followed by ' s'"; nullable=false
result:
1 h 49 min
